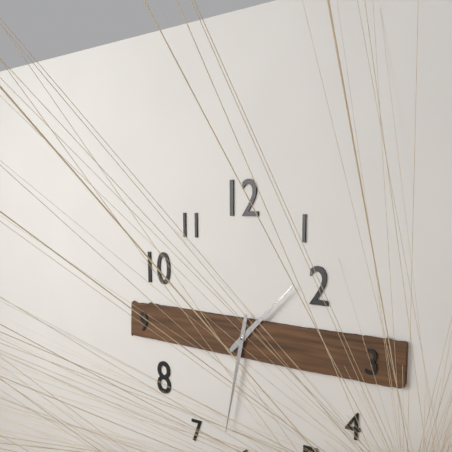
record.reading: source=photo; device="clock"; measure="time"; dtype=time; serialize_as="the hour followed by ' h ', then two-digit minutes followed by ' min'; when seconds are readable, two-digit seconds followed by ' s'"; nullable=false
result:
1 h 32 min
